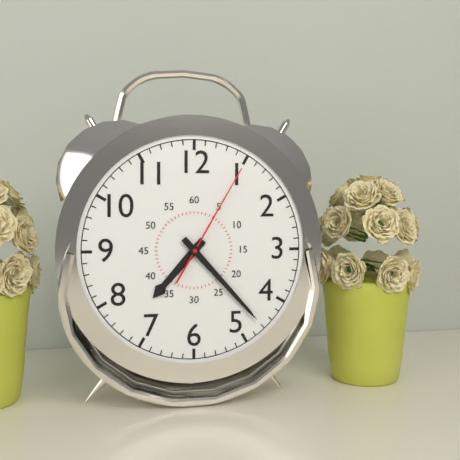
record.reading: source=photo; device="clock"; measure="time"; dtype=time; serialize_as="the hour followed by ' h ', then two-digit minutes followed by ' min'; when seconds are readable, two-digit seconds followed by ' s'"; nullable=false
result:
7 h 23 min 05 s
